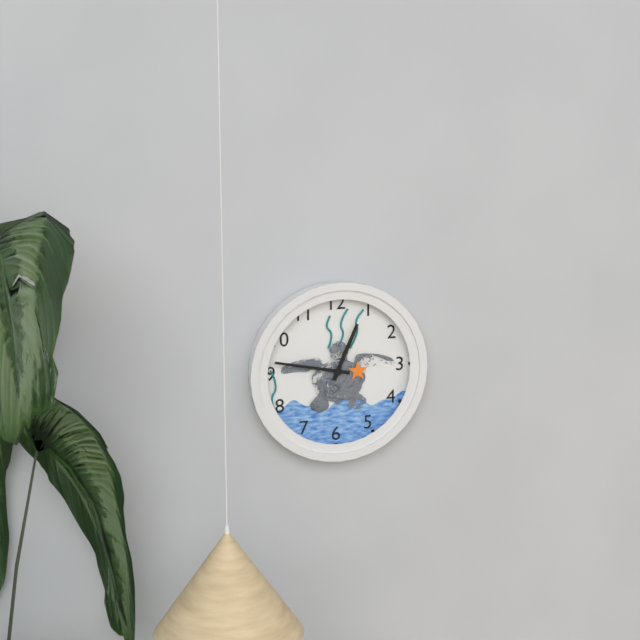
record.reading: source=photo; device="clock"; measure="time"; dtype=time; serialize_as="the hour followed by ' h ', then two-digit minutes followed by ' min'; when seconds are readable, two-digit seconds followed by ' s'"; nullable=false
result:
12 h 47 min
